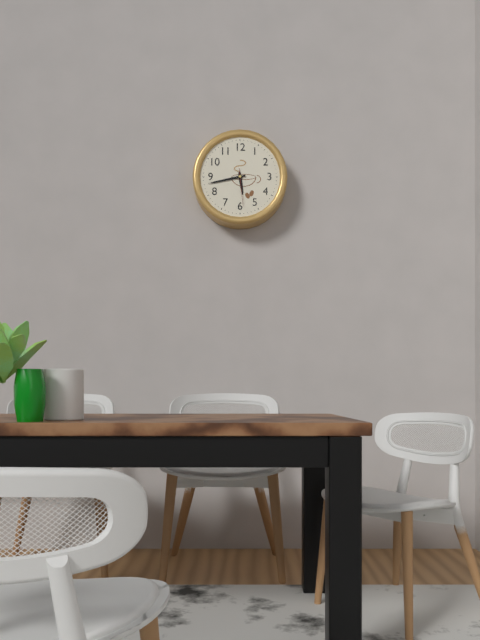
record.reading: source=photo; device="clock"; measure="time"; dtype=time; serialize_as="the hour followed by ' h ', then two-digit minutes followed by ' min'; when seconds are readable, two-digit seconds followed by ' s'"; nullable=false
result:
5 h 43 min
